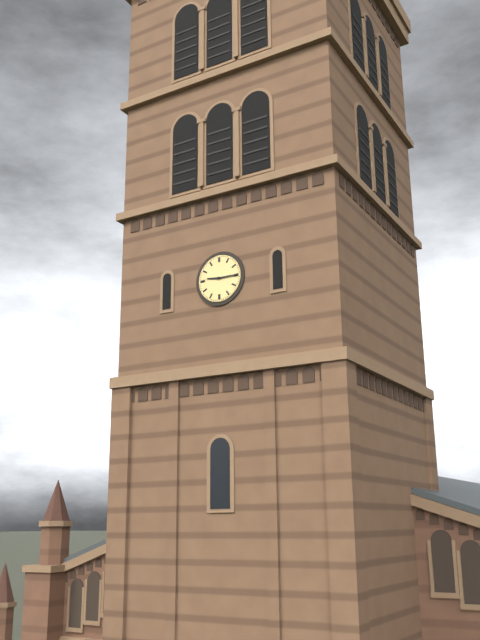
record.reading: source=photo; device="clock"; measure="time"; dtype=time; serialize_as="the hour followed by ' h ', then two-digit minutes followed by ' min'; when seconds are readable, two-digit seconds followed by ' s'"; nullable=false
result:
9 h 15 min
